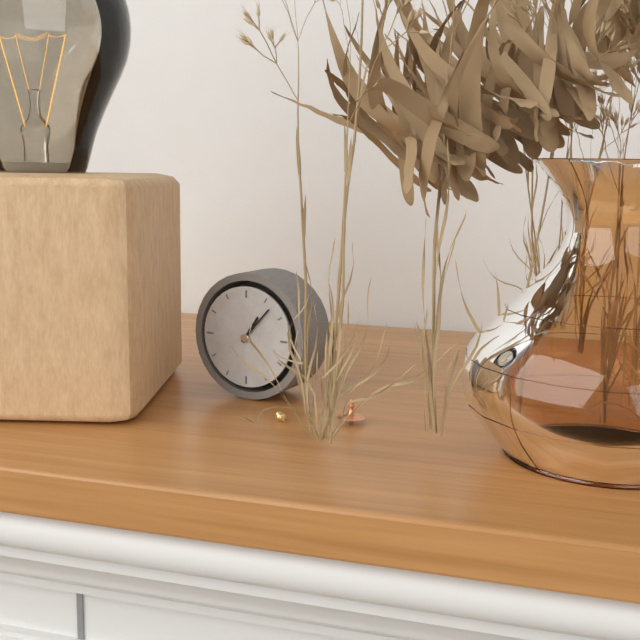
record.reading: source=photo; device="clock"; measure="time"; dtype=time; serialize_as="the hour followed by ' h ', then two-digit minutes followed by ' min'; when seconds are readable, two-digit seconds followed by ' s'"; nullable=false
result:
1 h 07 min
